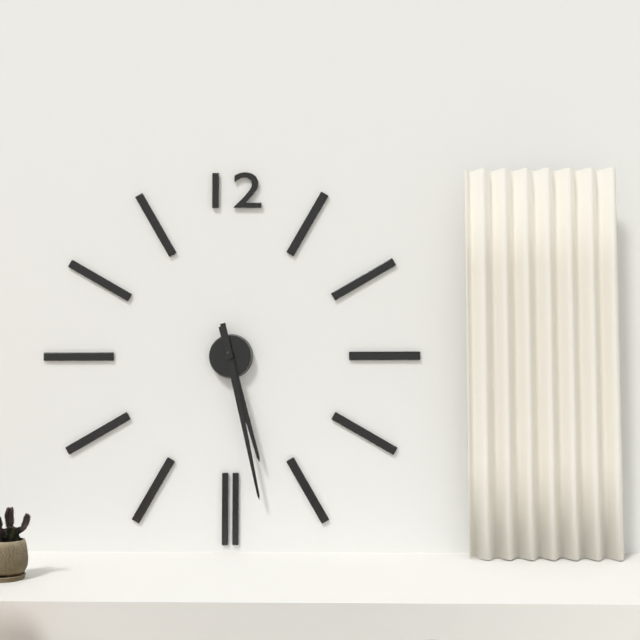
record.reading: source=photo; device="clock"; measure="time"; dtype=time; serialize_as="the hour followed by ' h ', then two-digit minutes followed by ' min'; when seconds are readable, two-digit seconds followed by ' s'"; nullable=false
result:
5 h 28 min
